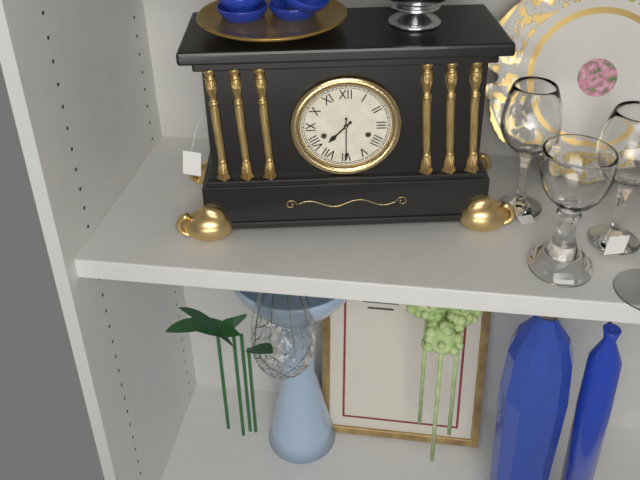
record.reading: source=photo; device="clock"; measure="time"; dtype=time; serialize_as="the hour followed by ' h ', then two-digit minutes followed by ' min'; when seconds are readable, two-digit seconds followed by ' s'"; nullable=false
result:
7 h 30 min
